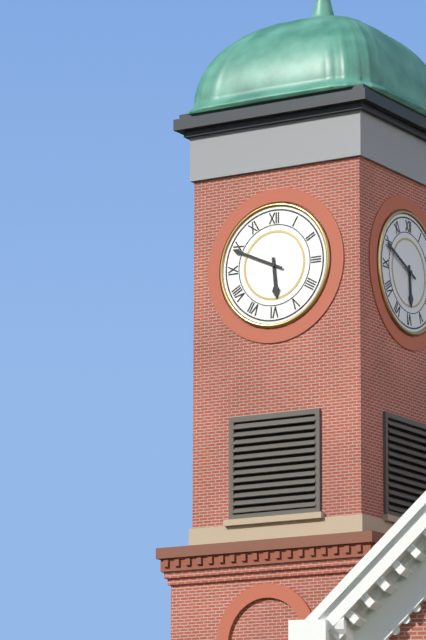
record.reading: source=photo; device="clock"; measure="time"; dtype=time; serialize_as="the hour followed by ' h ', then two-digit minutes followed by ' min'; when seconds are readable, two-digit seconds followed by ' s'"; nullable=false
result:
5 h 49 min
